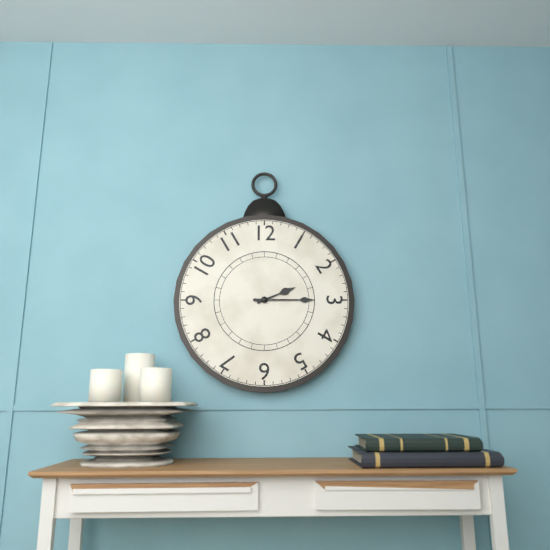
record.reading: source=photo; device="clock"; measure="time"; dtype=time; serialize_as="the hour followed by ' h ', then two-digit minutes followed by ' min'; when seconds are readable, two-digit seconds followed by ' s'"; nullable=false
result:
2 h 15 min
